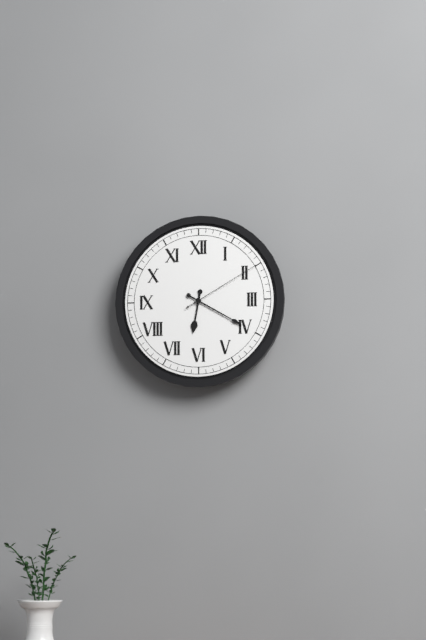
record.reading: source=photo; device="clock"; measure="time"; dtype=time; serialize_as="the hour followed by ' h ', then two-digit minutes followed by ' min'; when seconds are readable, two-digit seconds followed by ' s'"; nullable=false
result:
6 h 20 min 10 s
